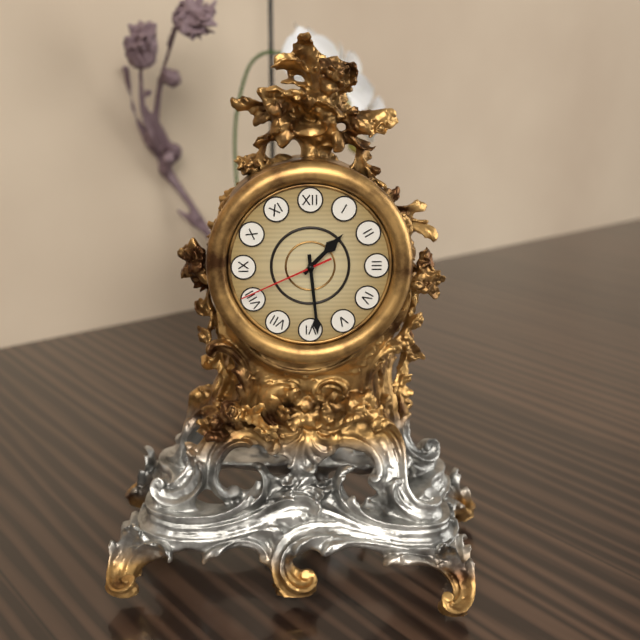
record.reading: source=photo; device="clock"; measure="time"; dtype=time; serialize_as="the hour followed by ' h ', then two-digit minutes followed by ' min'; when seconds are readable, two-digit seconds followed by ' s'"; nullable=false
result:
1 h 29 min 41 s
